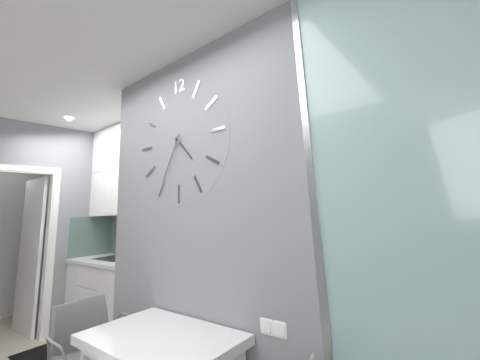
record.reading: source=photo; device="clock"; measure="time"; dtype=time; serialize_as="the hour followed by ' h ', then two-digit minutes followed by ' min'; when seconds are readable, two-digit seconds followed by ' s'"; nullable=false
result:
4 h 35 min
